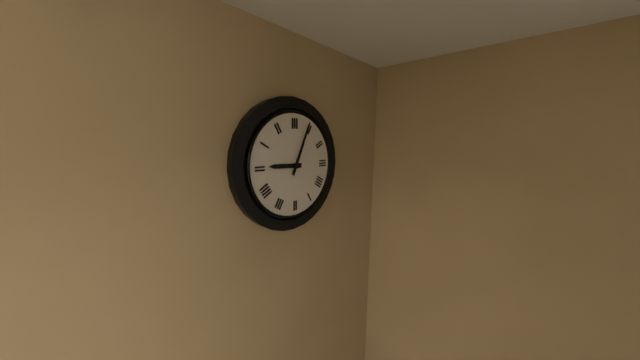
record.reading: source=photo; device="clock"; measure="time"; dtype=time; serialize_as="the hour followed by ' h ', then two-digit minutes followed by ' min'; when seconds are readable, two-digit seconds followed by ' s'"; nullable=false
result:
9 h 04 min
